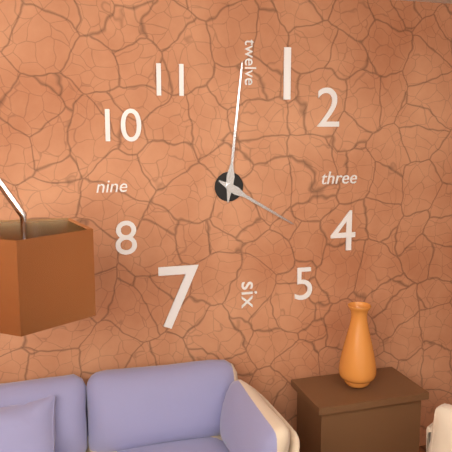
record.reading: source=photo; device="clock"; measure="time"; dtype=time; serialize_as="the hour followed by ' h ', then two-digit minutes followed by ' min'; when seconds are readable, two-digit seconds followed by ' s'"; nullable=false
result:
4 h 01 min
